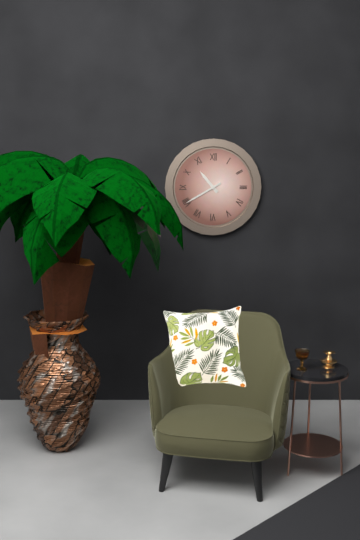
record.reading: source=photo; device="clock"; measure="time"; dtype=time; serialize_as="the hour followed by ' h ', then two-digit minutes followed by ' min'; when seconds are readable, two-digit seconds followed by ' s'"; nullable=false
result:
10 h 40 min
